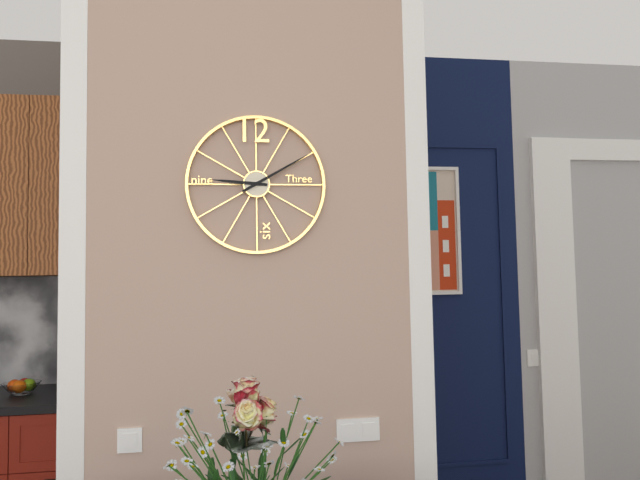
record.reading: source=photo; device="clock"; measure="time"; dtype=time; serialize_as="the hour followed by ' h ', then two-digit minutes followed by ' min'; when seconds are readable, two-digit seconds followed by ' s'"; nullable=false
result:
9 h 10 min
